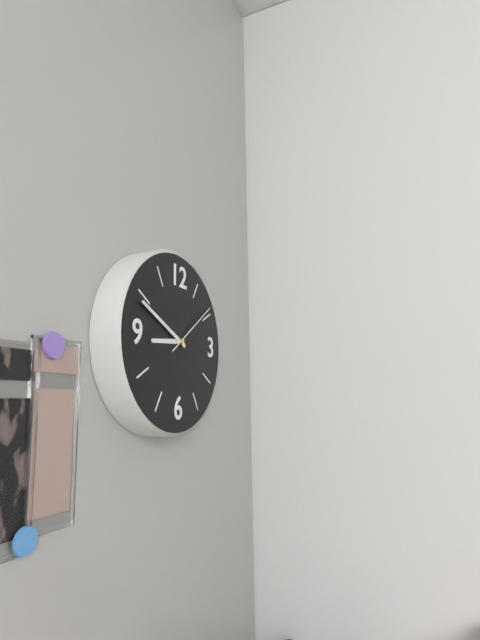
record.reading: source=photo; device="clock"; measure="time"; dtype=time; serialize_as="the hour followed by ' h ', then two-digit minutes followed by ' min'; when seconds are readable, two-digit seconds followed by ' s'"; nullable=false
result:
8 h 49 min 09 s
